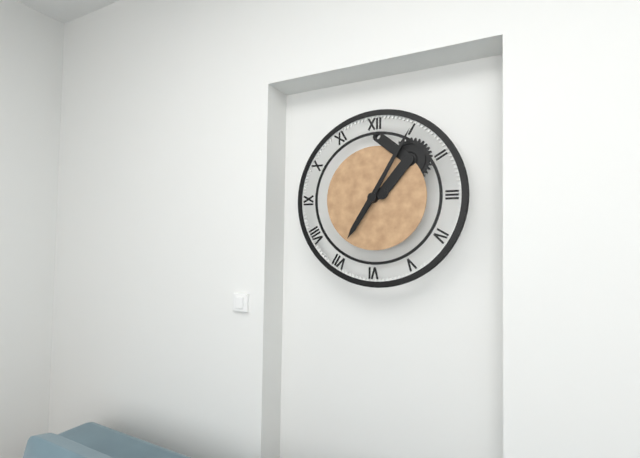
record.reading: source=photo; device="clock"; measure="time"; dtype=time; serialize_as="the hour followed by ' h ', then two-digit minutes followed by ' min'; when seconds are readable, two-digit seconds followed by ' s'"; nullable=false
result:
7 h 05 min
